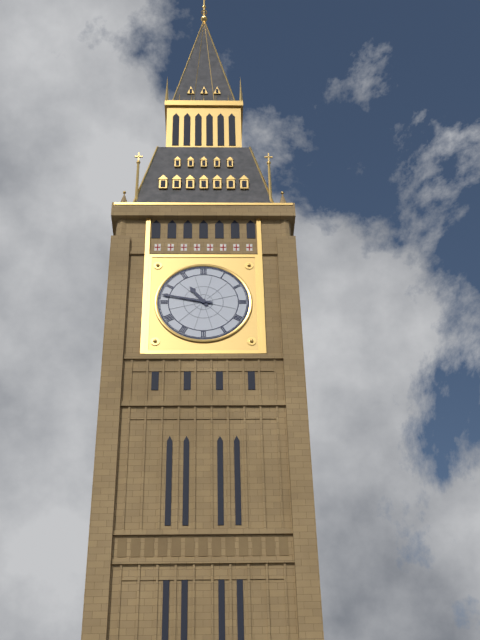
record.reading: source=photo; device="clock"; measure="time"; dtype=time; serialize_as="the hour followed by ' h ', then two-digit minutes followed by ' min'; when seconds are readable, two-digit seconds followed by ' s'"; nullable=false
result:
10 h 47 min
